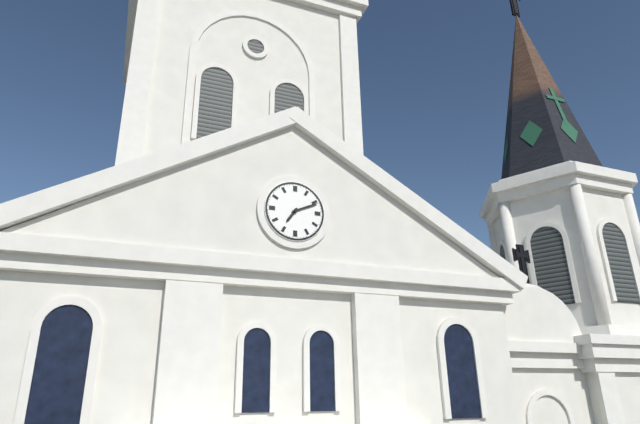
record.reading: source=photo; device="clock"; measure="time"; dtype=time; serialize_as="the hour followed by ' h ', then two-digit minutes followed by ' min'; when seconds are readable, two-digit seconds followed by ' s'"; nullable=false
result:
7 h 11 min
